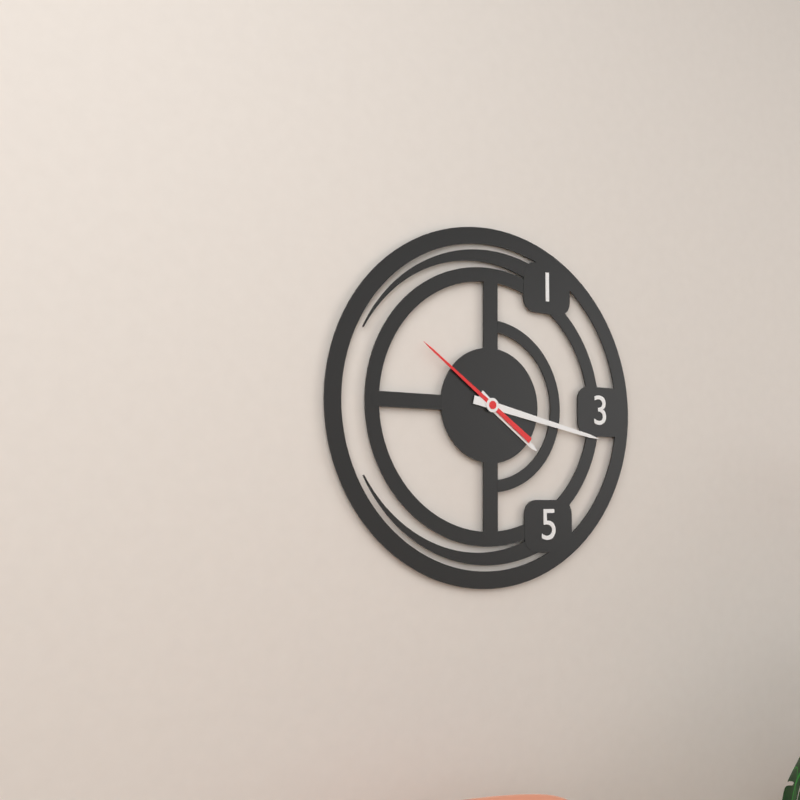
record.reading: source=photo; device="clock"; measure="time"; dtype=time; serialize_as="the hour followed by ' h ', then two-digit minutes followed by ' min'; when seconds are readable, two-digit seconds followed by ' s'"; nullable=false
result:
4 h 17 min 51 s
